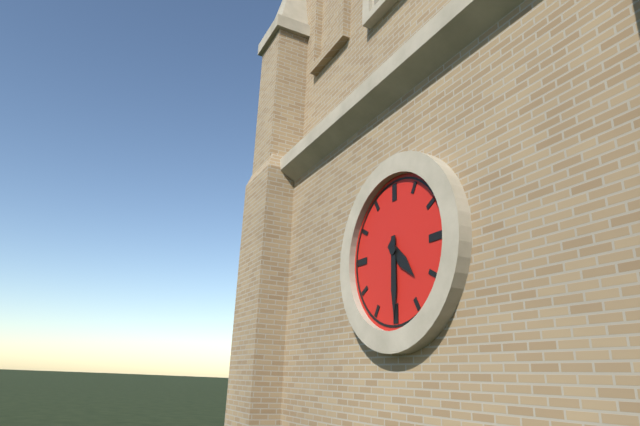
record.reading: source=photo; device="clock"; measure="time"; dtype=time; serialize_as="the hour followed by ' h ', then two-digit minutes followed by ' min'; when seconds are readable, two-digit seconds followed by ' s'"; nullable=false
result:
4 h 30 min
